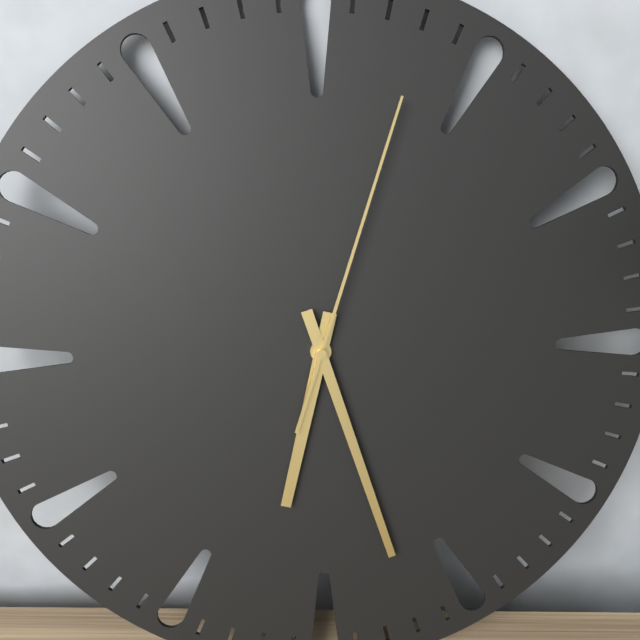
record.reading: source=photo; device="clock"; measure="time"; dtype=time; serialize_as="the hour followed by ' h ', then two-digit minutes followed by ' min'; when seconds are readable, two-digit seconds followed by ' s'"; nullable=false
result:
6 h 27 min 03 s
